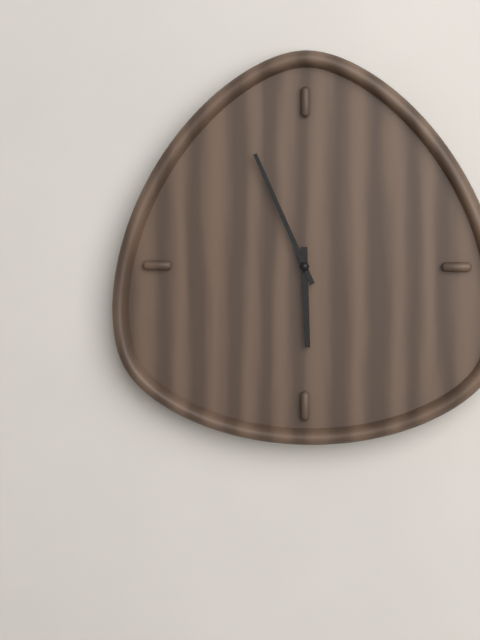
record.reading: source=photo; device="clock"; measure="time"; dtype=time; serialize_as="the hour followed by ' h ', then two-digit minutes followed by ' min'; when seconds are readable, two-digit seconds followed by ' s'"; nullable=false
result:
5 h 56 min
